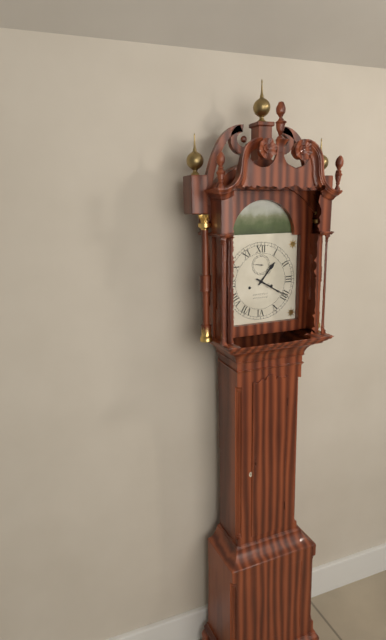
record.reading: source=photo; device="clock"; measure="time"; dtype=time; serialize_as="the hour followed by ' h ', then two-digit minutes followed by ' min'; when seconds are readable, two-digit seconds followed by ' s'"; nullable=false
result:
1 h 20 min
